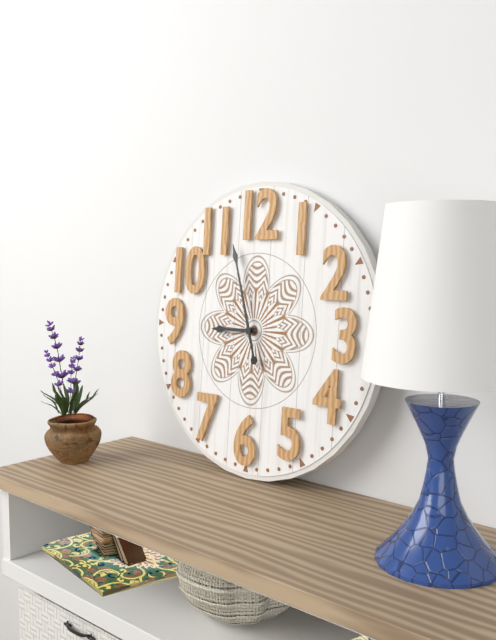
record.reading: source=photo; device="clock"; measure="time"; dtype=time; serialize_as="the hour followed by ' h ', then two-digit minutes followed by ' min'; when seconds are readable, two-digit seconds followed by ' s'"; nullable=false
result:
8 h 57 min
